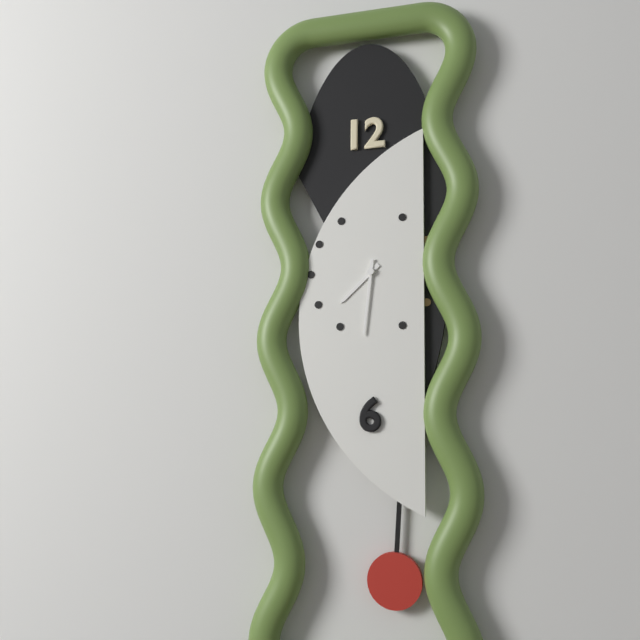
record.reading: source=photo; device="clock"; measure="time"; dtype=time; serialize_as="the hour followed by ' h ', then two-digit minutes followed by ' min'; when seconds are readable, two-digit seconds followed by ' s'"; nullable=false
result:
7 h 31 min
